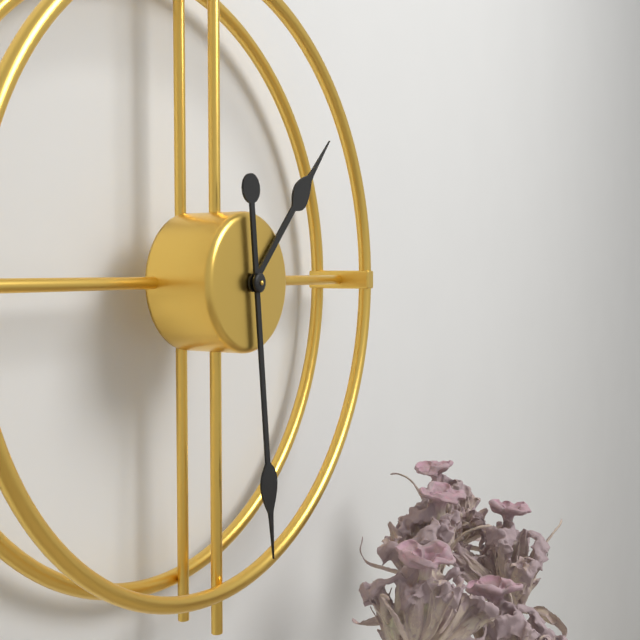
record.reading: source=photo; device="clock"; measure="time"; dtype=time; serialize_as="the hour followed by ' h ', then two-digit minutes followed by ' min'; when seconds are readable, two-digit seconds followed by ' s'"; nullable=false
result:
1 h 29 min
